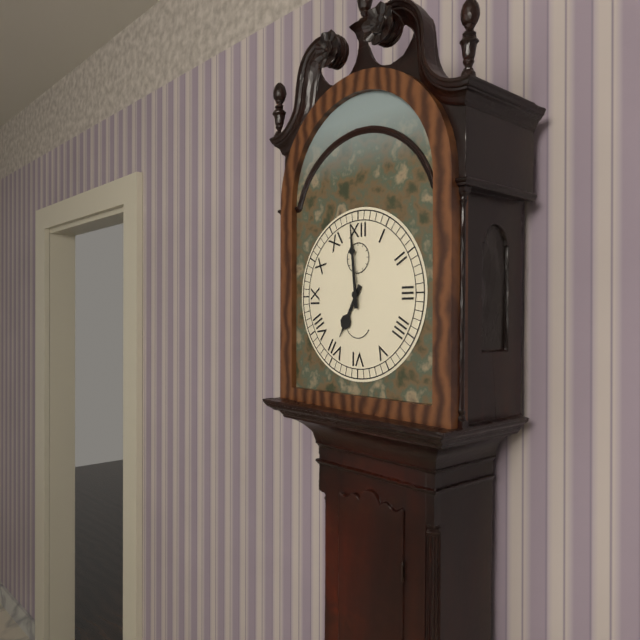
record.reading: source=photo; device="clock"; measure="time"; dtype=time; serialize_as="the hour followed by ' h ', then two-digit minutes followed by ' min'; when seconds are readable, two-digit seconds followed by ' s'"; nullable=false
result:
6 h 59 min
